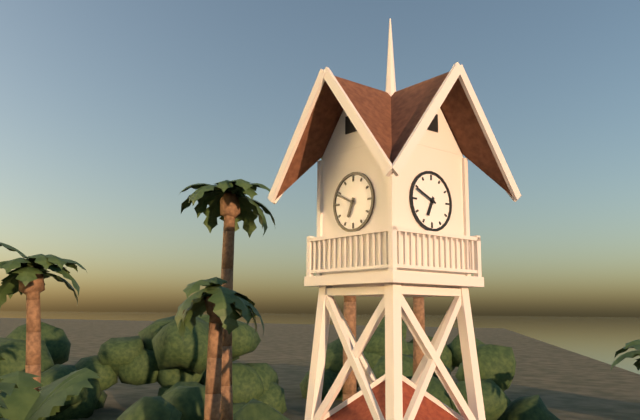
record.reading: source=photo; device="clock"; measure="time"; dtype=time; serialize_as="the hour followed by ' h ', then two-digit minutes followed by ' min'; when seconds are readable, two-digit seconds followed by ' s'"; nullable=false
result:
6 h 49 min
